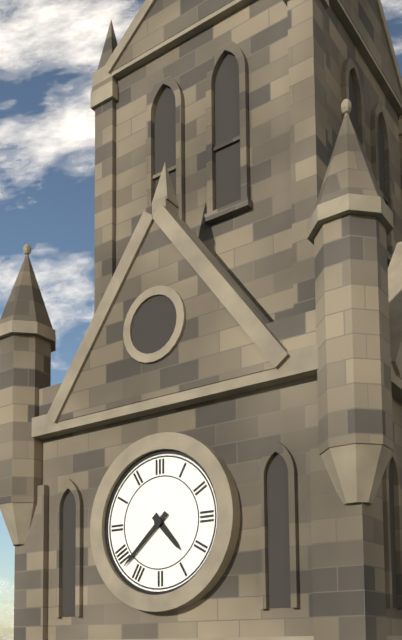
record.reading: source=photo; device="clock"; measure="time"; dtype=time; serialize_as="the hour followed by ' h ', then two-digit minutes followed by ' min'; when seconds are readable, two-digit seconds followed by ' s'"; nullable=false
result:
4 h 38 min
